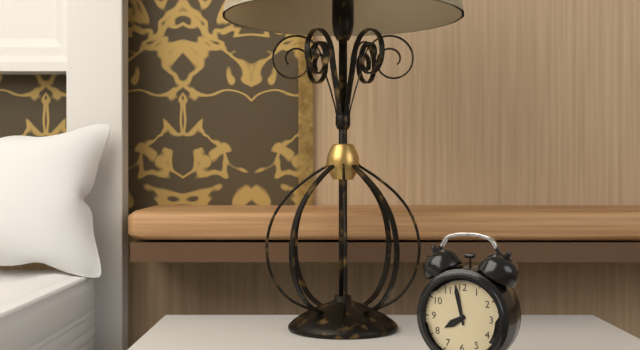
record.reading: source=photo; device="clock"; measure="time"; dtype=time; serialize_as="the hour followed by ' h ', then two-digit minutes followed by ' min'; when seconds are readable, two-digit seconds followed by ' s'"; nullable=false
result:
7 h 58 min
